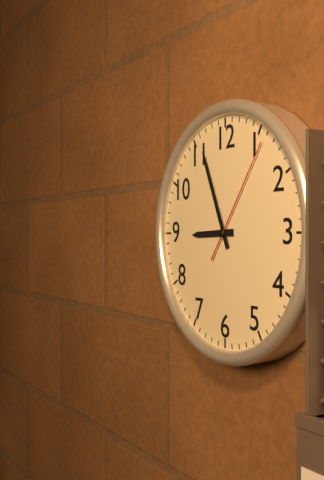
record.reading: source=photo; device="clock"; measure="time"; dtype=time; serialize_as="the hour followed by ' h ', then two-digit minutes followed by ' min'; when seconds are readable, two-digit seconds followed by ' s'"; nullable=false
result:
8 h 56 min 06 s
